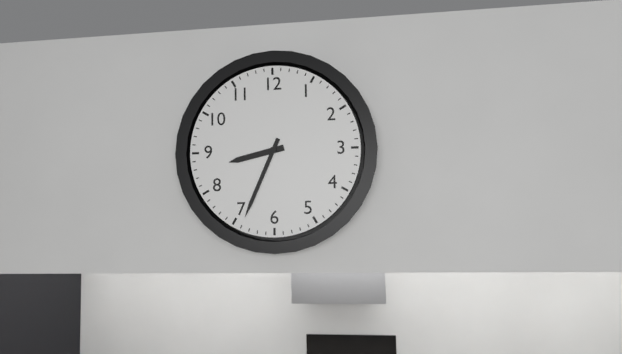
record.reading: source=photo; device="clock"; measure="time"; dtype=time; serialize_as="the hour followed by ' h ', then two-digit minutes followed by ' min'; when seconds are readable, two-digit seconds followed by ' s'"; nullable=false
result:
8 h 34 min
